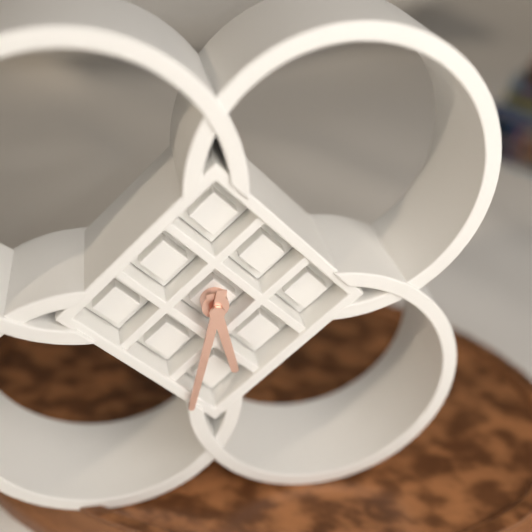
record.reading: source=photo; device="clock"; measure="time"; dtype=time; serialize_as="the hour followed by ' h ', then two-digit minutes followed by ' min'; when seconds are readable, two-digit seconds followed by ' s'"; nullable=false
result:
5 h 32 min
